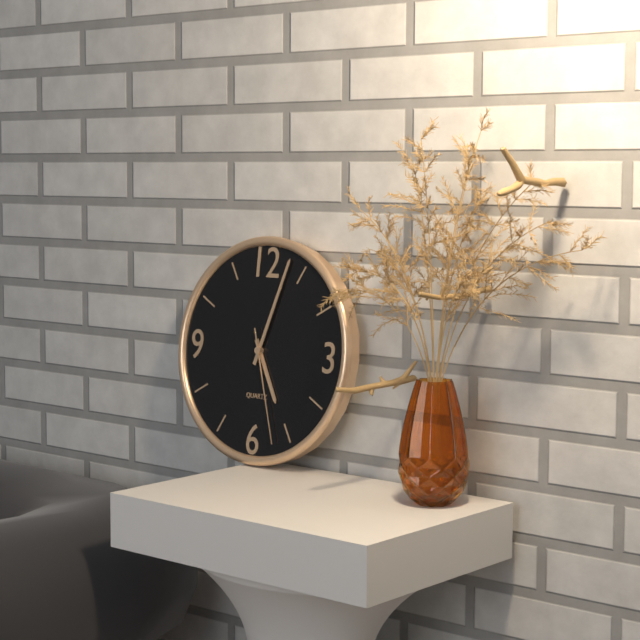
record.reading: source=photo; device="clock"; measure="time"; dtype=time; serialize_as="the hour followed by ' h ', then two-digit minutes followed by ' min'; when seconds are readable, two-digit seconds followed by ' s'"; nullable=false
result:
5 h 03 min 27 s
